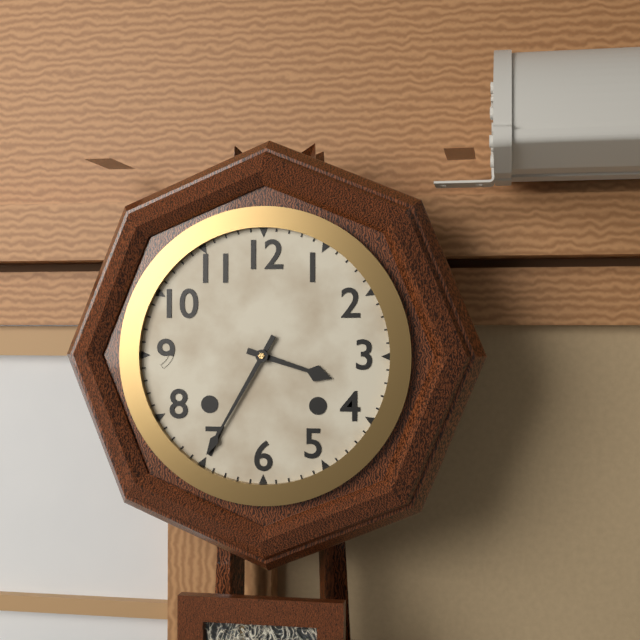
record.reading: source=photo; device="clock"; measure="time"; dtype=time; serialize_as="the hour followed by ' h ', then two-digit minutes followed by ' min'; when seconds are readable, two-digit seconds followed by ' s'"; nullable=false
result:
3 h 35 min
